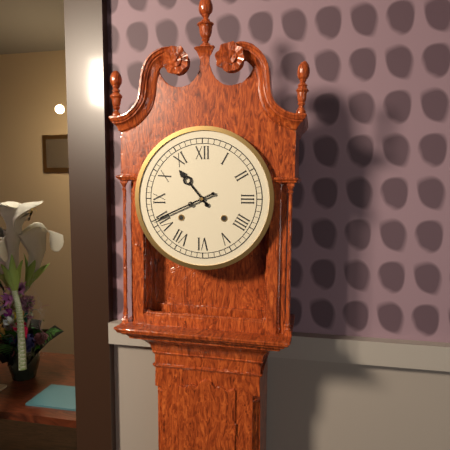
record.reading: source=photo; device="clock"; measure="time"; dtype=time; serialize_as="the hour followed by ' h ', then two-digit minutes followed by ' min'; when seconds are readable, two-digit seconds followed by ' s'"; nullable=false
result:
10 h 41 min
